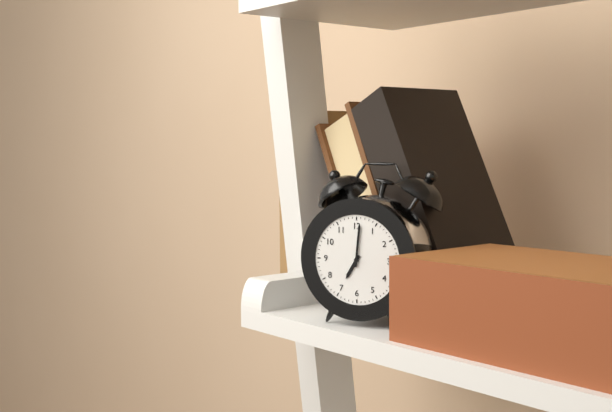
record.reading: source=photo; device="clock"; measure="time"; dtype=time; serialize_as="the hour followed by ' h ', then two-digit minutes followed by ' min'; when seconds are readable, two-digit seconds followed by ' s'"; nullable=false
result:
7 h 01 min
